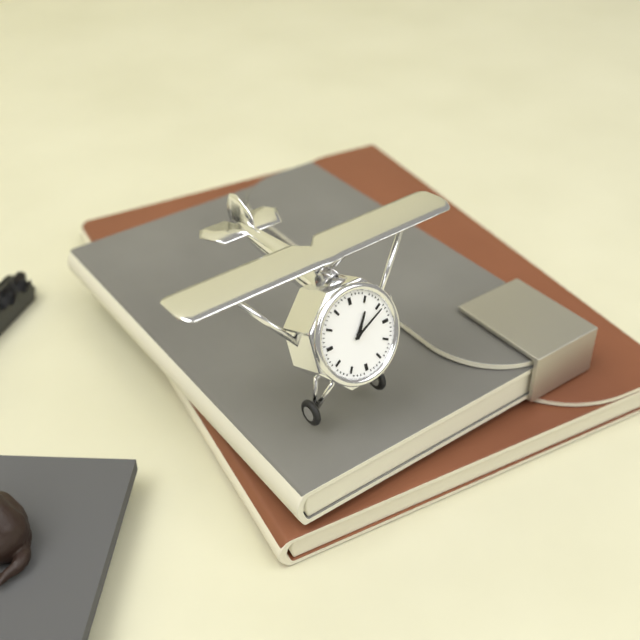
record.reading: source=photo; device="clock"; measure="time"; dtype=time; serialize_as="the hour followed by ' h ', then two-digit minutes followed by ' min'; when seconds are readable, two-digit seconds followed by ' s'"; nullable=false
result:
1 h 11 min
